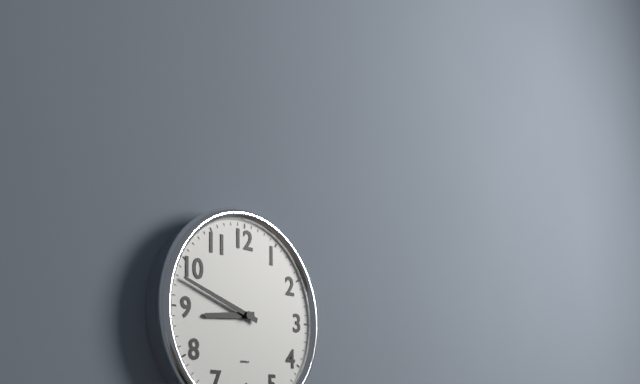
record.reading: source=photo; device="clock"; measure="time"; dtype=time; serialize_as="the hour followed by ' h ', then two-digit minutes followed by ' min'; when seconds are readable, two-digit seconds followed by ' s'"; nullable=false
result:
8 h 48 min
